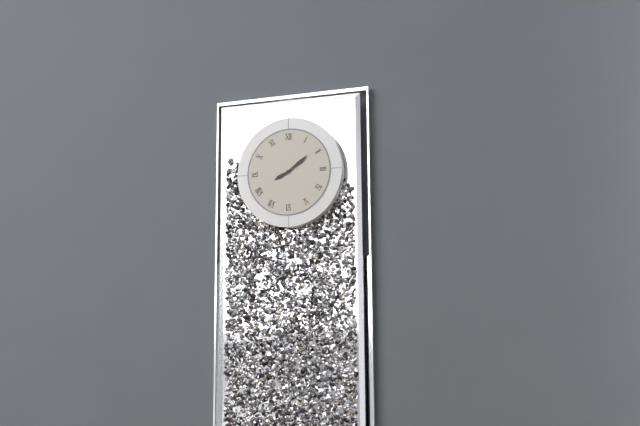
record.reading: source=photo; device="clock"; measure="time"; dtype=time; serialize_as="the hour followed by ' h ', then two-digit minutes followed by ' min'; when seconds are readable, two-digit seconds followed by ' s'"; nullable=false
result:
8 h 09 min
